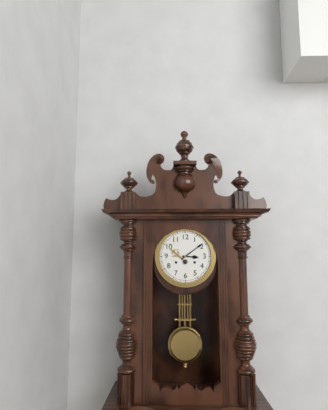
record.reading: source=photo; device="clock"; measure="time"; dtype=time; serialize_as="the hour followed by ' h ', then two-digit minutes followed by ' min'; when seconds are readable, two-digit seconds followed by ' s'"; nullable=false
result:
3 h 09 min
